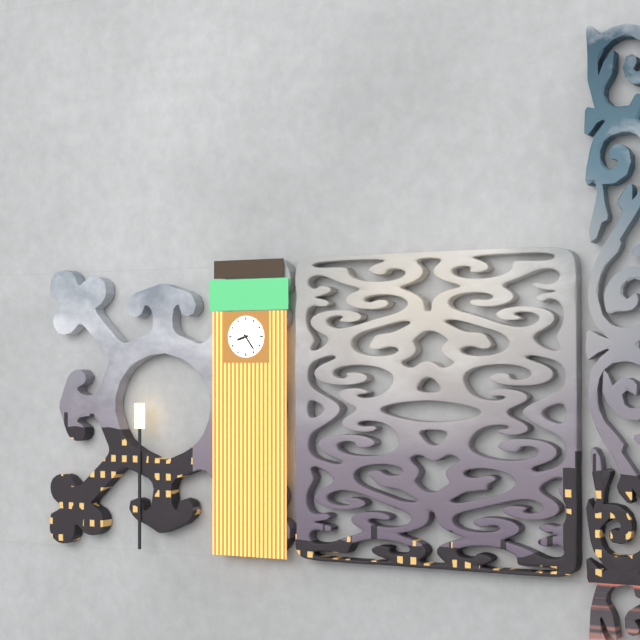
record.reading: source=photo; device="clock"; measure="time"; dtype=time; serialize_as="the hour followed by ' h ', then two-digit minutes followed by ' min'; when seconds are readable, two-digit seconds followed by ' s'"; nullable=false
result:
8 h 24 min
